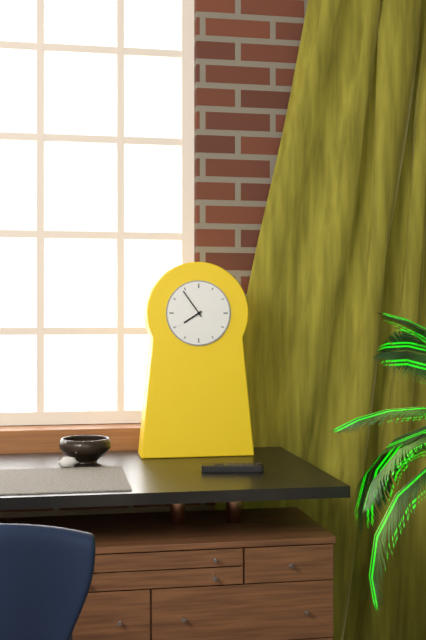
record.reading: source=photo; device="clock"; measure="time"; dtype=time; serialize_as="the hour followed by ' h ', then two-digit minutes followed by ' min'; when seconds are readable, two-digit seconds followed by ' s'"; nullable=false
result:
7 h 54 min
